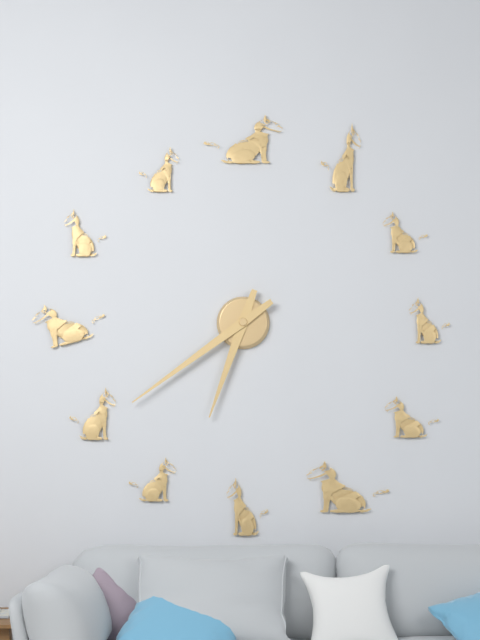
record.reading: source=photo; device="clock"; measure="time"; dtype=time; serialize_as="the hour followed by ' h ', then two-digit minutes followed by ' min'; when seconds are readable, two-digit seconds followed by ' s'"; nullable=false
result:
6 h 39 min
